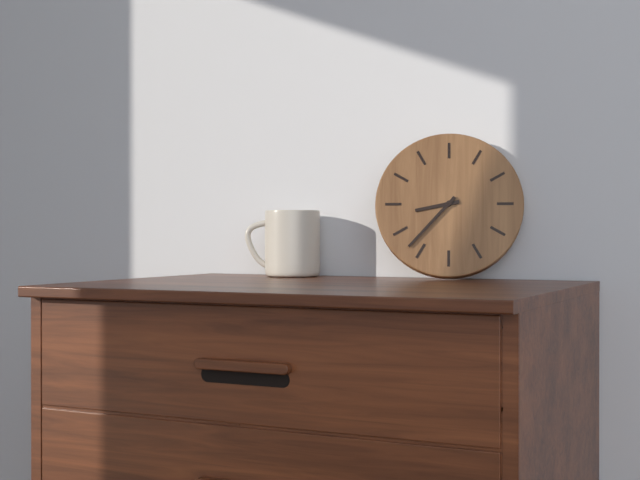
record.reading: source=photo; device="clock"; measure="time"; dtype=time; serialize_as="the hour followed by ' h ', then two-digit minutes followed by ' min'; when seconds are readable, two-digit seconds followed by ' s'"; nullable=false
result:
8 h 37 min
